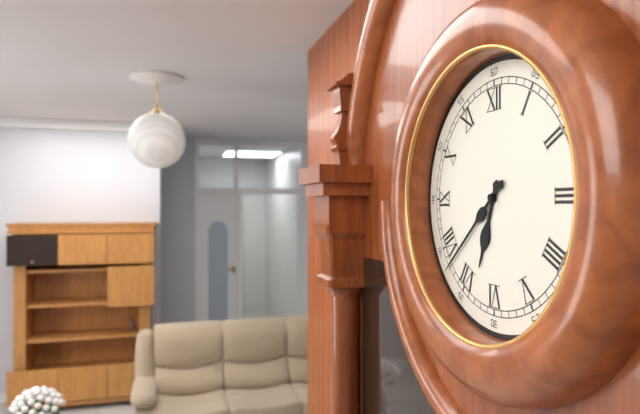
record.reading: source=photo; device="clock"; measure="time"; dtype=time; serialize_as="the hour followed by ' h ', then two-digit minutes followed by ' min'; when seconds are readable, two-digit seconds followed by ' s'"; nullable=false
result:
6 h 38 min
